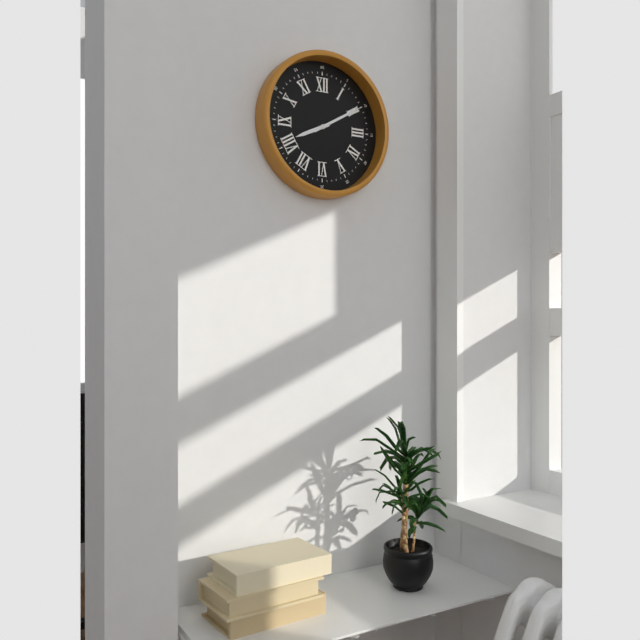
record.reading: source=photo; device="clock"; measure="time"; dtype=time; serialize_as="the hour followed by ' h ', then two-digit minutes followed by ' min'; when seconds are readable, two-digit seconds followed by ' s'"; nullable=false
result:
8 h 10 min
